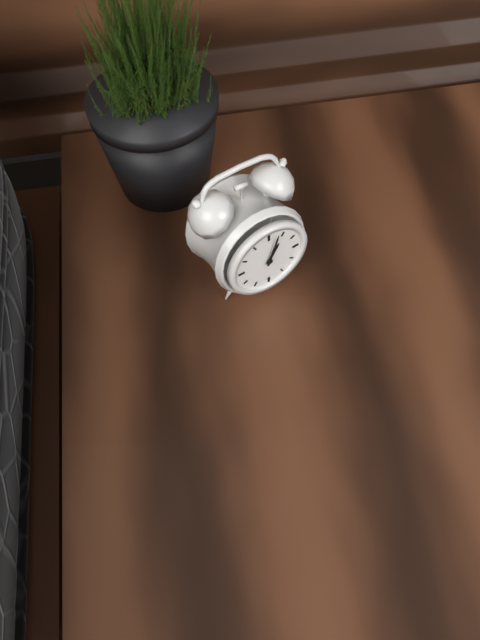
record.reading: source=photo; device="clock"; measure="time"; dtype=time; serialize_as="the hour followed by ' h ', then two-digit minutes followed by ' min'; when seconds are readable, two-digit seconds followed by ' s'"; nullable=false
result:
1 h 03 min
